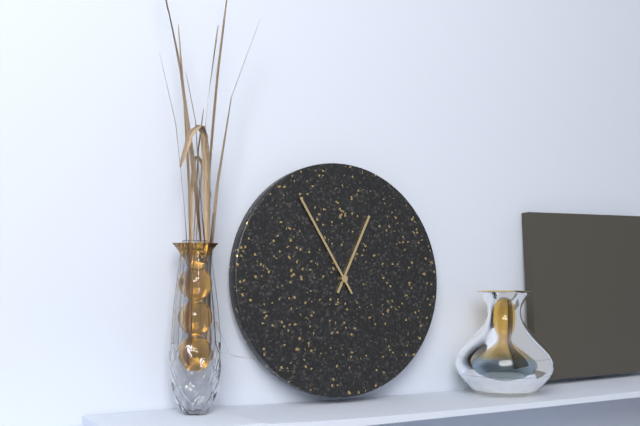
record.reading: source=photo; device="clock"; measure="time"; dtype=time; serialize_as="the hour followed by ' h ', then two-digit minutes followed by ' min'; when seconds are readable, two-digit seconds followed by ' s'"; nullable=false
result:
12 h 55 min
